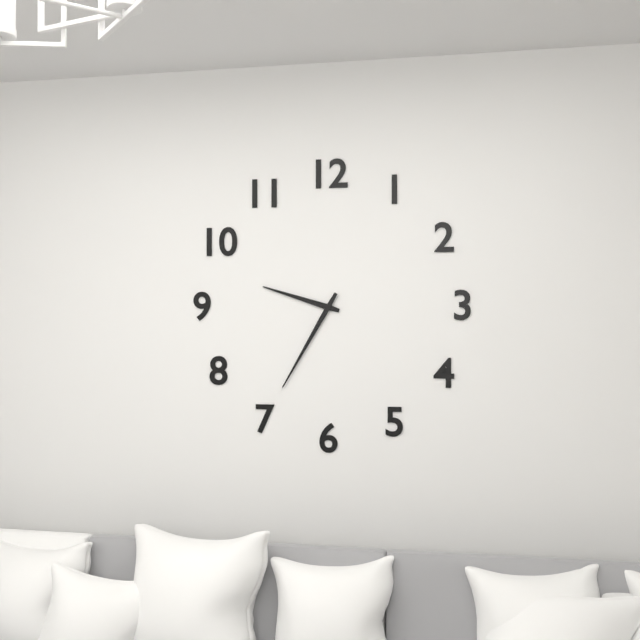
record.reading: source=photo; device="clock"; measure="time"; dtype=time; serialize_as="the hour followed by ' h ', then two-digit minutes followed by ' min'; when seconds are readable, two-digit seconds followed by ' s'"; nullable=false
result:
9 h 35 min
